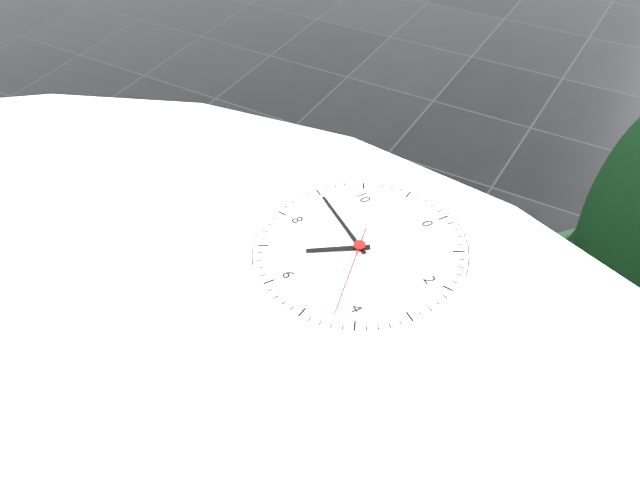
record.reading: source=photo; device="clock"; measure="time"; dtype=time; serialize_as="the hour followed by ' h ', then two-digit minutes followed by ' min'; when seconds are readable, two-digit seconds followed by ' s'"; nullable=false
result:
6 h 45 min 22 s
